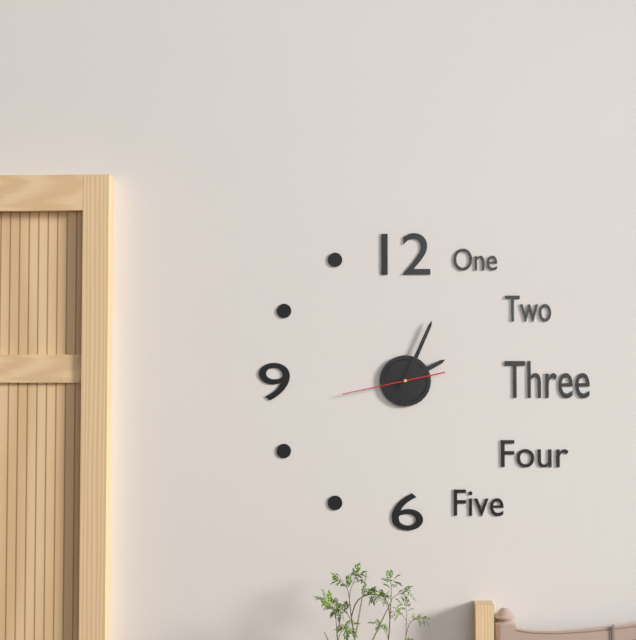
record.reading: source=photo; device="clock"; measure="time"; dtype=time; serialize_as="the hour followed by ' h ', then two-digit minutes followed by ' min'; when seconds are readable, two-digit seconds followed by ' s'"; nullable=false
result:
2 h 04 min 43 s
